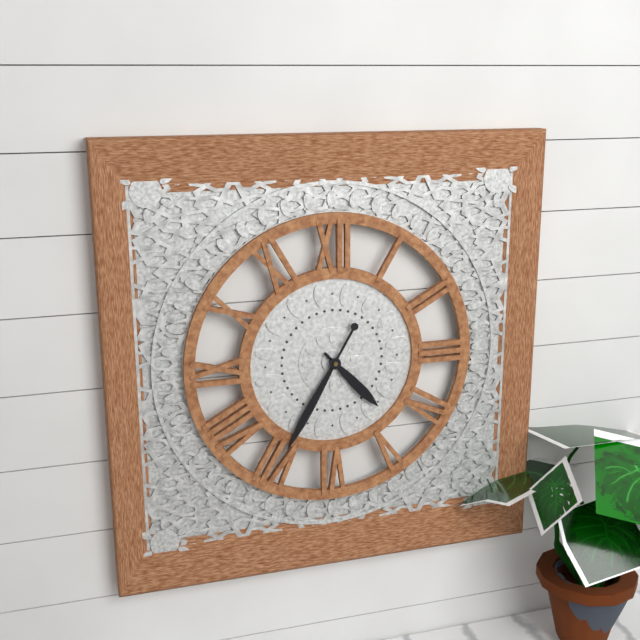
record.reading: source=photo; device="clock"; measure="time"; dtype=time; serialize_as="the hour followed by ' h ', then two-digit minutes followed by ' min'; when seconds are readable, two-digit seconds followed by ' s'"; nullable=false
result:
4 h 35 min
